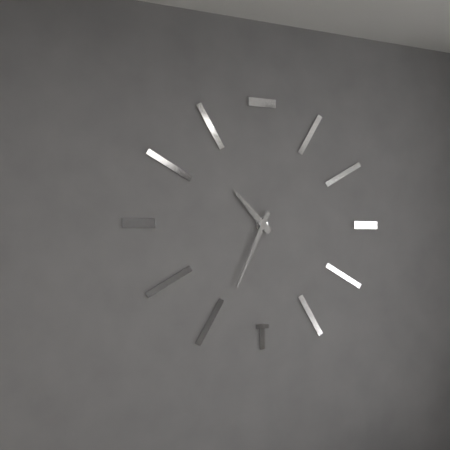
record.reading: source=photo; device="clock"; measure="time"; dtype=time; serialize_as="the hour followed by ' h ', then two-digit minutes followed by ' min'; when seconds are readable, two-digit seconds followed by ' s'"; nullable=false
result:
10 h 34 min
